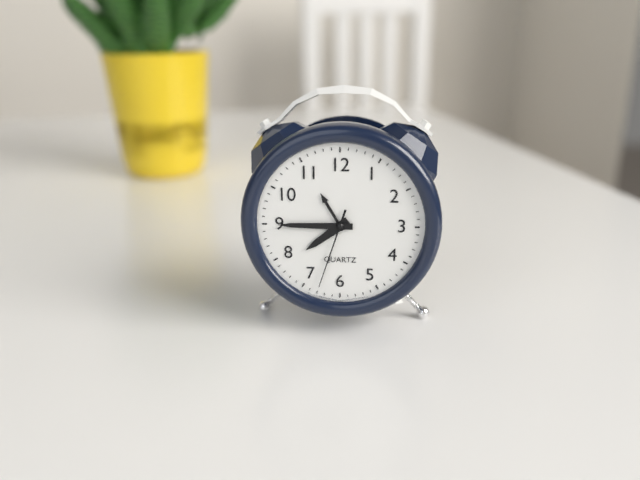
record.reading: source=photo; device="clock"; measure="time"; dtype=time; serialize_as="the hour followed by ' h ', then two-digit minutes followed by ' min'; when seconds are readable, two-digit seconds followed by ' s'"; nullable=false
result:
7 h 45 min 33 s
